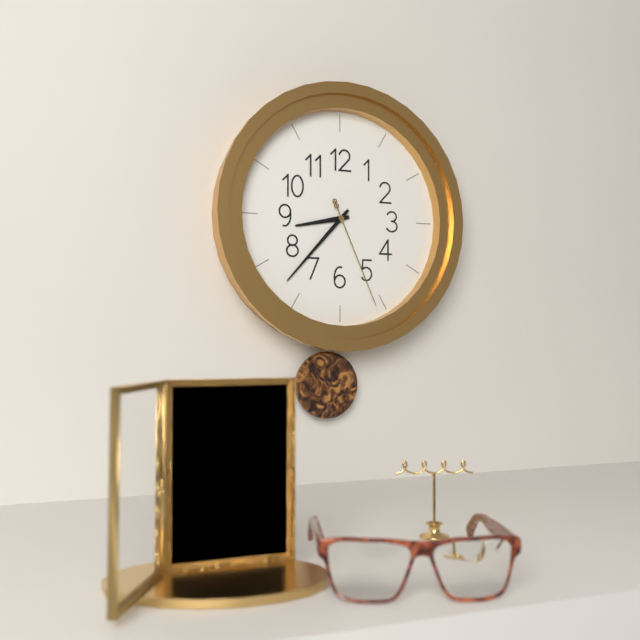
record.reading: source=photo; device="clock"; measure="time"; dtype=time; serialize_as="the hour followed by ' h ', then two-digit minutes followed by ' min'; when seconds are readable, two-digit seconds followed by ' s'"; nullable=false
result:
8 h 37 min 26 s
